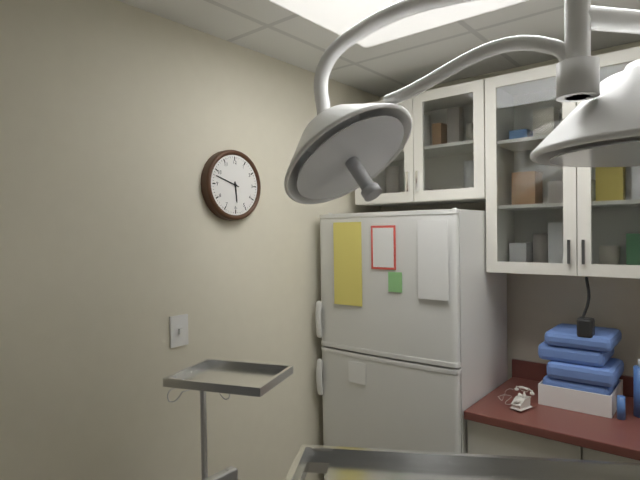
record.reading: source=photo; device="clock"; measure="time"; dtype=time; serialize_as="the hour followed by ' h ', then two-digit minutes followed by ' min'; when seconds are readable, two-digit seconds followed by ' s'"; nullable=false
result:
5 h 48 min
